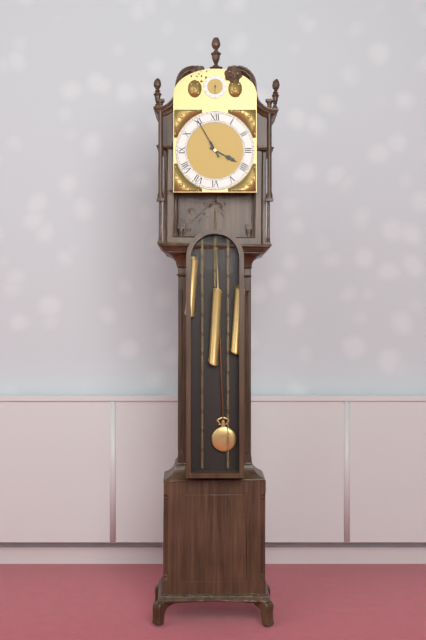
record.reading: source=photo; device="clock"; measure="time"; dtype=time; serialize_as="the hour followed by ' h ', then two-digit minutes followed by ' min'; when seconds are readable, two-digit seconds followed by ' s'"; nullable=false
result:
3 h 55 min
